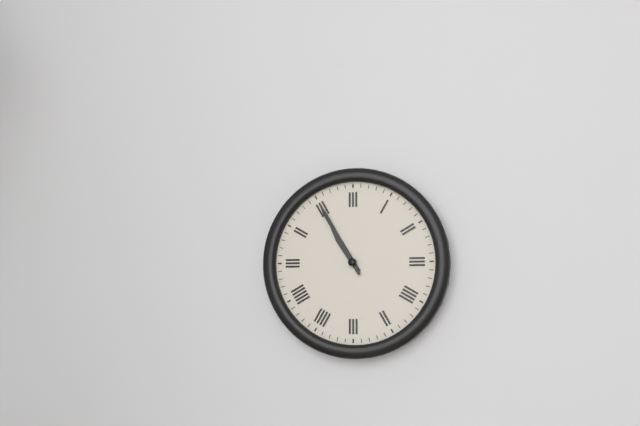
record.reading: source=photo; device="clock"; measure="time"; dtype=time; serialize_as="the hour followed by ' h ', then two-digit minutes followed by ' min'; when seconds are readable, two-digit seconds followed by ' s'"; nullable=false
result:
10 h 55 min
